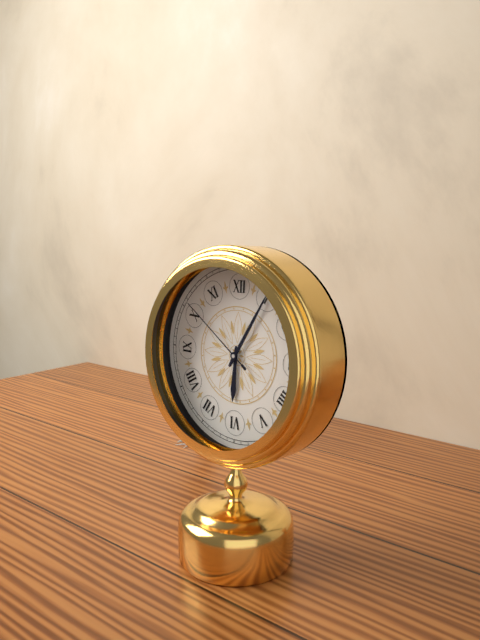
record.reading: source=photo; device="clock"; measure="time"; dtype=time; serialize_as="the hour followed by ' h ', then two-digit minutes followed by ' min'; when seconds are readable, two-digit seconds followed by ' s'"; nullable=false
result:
6 h 05 min 51 s
